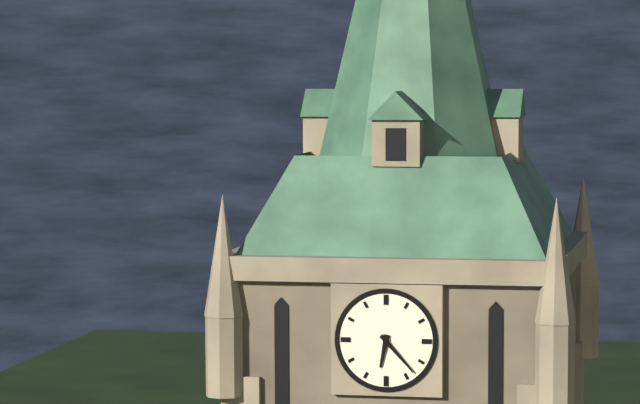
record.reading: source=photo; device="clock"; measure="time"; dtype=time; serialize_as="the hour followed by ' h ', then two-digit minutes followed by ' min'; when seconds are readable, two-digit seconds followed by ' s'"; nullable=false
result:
6 h 23 min
